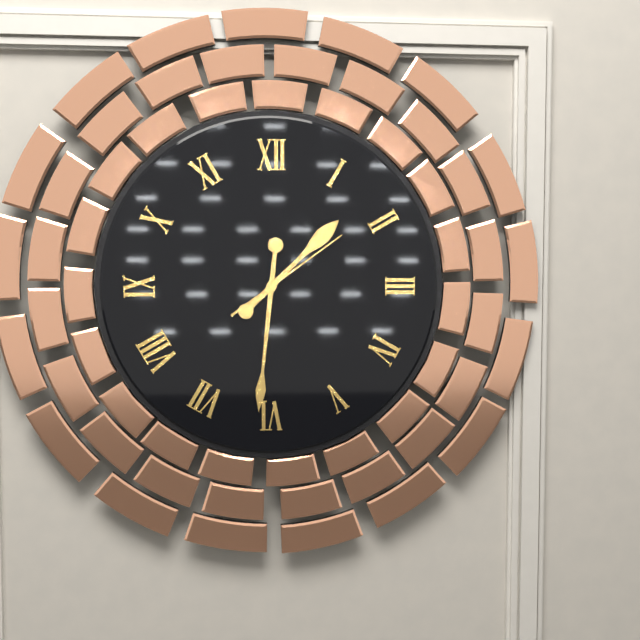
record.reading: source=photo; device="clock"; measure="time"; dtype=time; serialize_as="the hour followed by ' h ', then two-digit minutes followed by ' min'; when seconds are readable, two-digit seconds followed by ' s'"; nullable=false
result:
1 h 31 min 09 s
